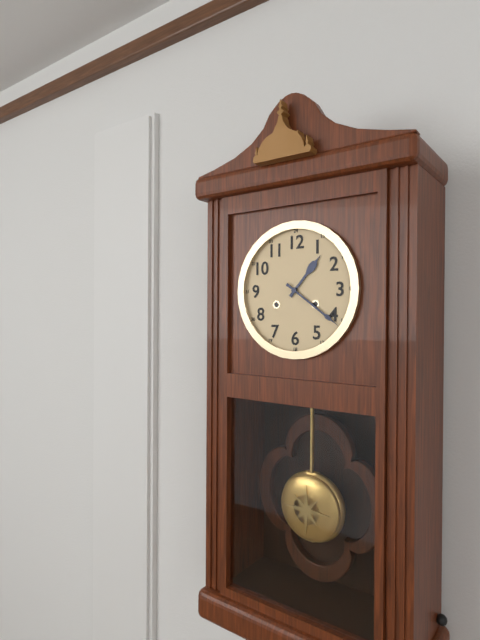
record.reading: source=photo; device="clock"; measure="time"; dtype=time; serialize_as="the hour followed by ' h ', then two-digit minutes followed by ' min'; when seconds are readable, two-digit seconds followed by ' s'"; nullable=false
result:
1 h 21 min
